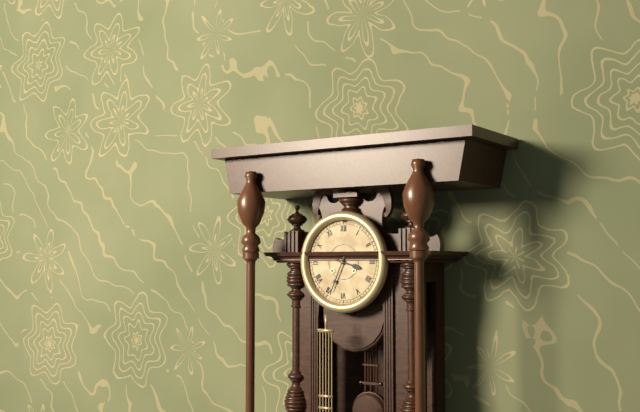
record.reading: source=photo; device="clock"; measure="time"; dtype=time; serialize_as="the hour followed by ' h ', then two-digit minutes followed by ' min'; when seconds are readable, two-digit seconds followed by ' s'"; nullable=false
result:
3 h 34 min
